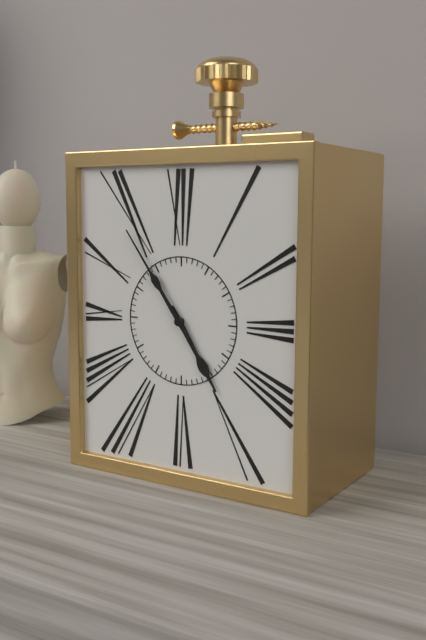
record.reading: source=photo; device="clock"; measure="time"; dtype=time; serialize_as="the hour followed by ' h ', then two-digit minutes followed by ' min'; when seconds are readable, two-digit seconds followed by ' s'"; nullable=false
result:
4 h 54 min
